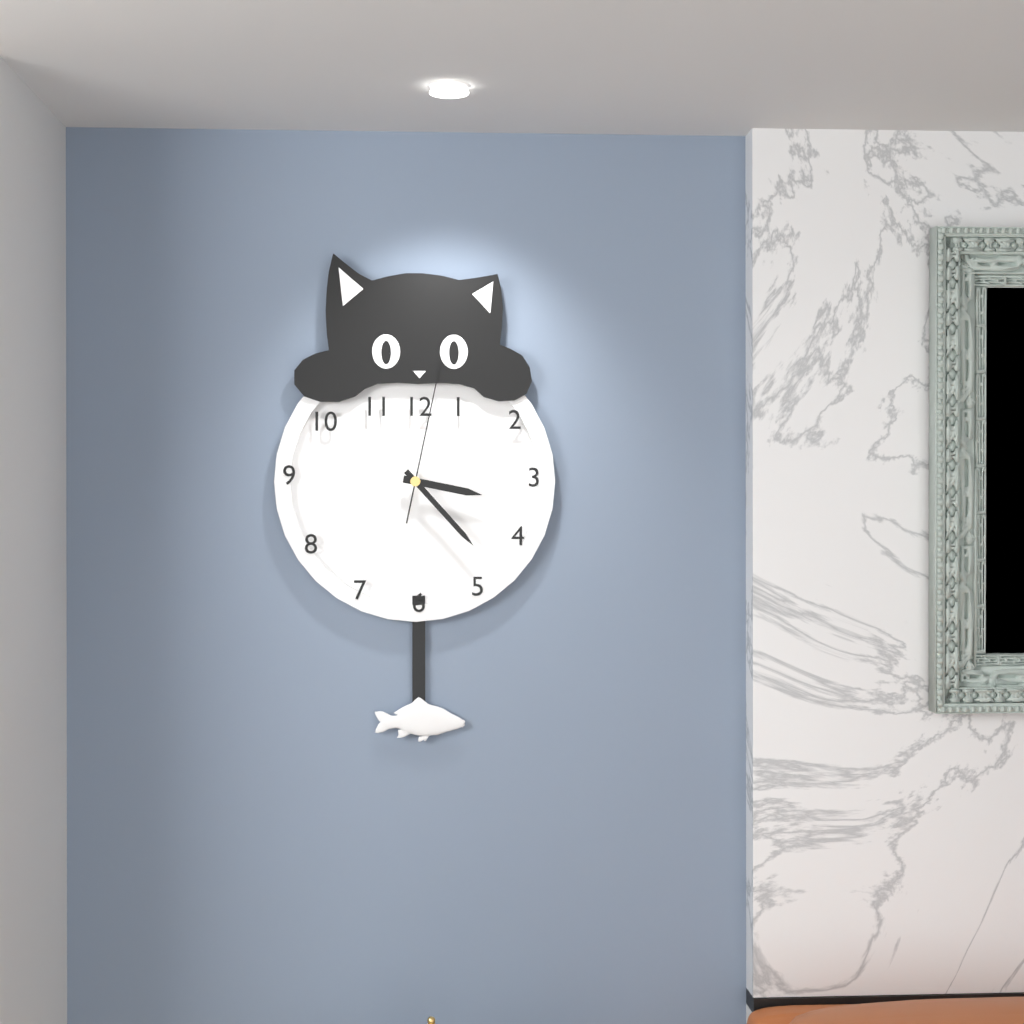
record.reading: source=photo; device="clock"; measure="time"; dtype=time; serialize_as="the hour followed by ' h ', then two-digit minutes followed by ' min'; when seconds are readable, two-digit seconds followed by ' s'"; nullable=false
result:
3 h 23 min 02 s
